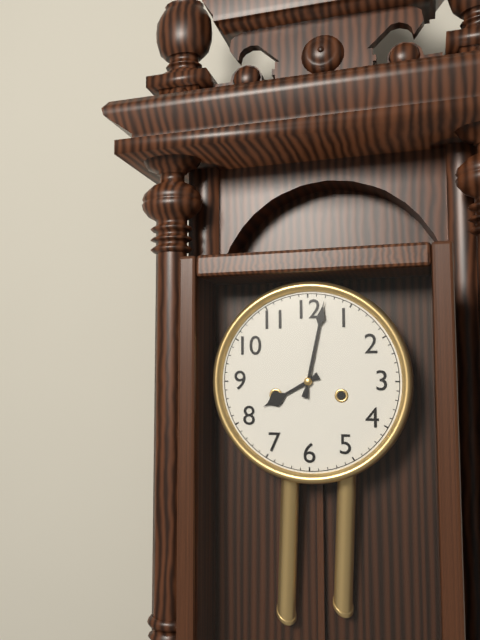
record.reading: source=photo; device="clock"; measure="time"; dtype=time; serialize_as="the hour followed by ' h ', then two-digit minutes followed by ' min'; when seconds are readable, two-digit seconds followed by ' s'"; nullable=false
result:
8 h 02 min
